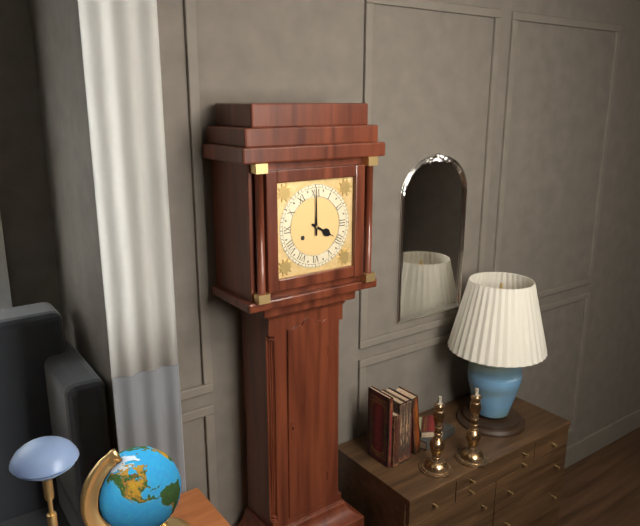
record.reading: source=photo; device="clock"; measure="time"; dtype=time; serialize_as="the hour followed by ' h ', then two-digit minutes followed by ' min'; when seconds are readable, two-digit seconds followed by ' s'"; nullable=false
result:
4 h 00 min
